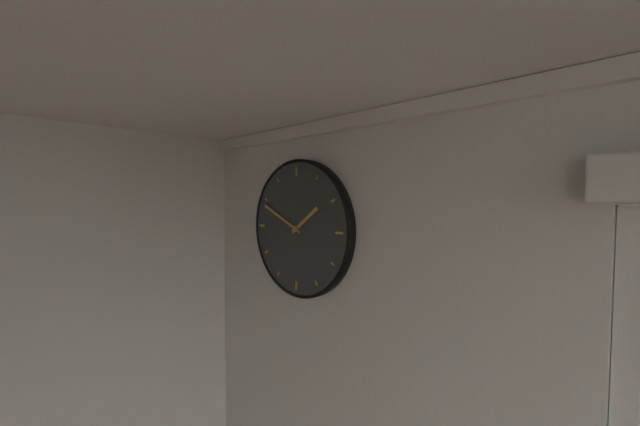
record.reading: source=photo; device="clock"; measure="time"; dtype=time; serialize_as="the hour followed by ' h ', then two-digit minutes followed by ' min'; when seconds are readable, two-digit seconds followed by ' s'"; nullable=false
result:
1 h 49 min
